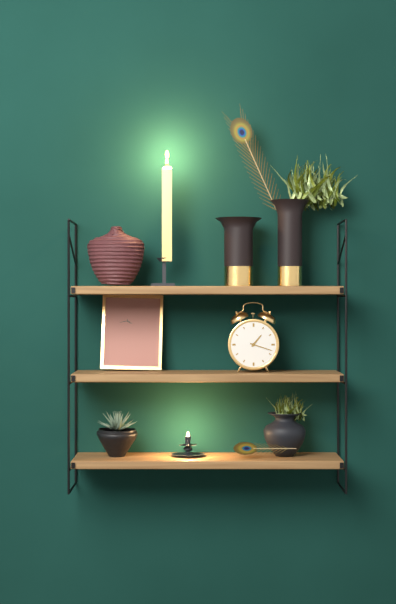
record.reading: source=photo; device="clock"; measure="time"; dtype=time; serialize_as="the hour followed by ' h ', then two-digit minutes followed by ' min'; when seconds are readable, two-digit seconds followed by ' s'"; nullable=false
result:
1 h 18 min
